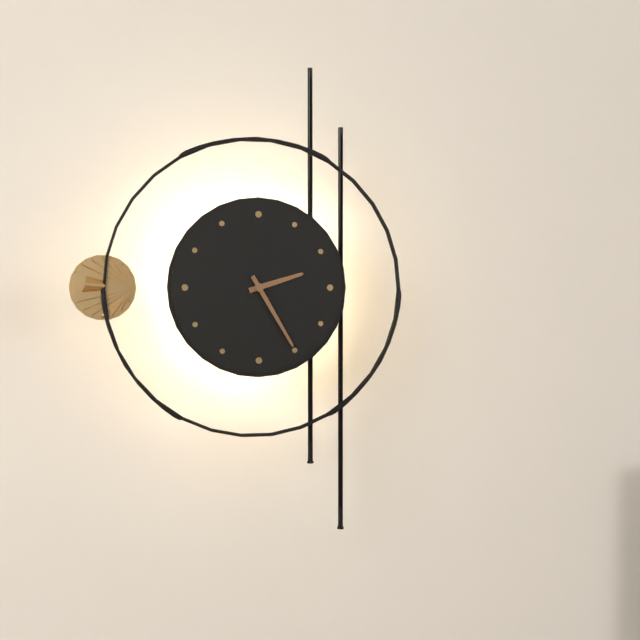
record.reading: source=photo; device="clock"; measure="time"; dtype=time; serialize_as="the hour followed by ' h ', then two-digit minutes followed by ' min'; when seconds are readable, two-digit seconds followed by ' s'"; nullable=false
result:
2 h 25 min
